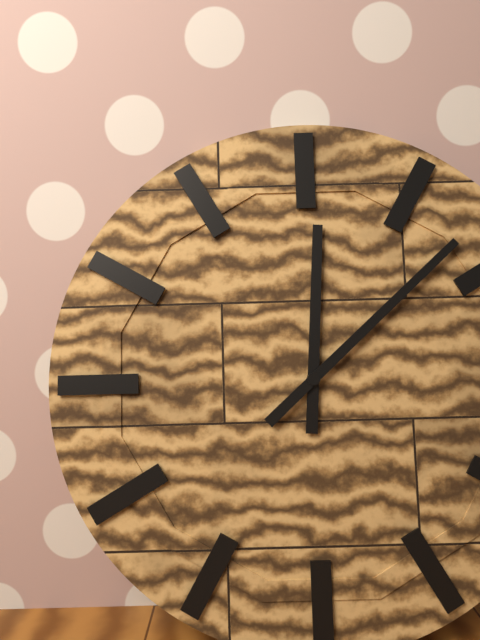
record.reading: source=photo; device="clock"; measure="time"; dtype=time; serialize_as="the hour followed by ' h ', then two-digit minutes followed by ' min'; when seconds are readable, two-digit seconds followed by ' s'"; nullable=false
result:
12 h 08 min
